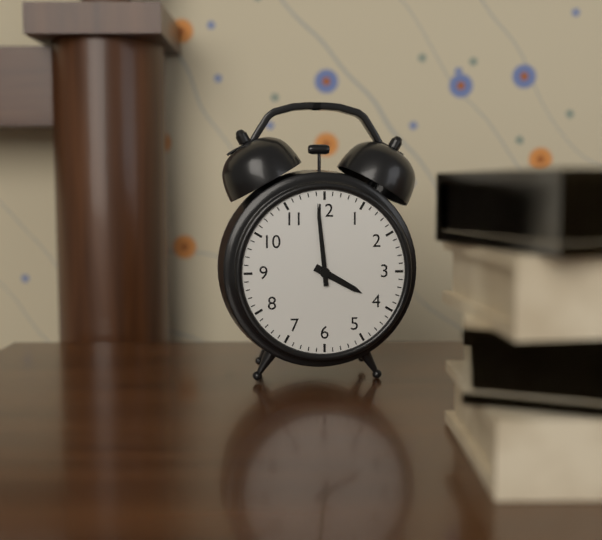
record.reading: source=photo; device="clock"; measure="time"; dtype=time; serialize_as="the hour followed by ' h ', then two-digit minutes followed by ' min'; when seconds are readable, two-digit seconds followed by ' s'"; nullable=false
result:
3 h 59 min
